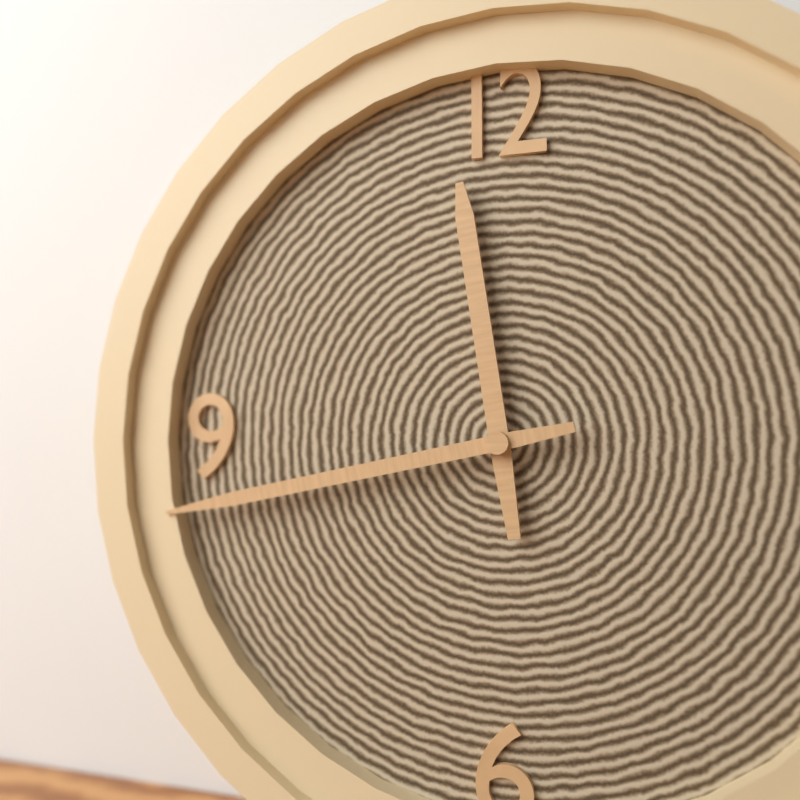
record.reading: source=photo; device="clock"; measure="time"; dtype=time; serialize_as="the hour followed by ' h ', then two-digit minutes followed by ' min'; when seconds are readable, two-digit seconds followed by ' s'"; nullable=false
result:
11 h 43 min
